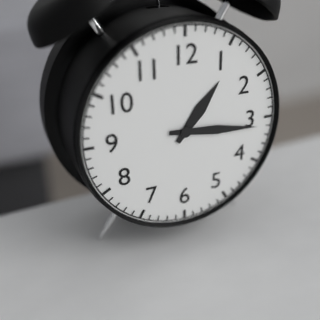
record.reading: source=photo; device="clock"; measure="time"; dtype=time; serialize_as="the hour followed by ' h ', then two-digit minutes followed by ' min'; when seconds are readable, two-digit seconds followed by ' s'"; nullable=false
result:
1 h 16 min
